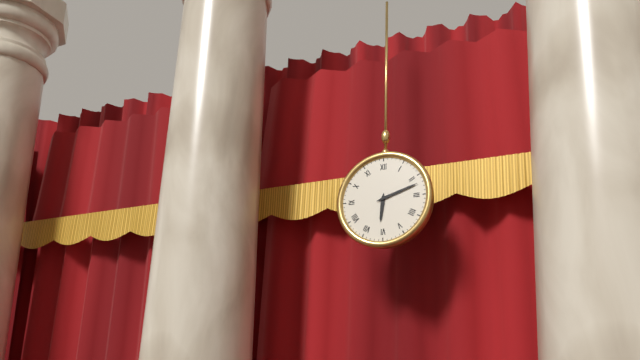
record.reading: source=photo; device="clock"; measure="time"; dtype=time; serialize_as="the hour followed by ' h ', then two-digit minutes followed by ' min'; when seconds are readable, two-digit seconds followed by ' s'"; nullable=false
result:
6 h 12 min
